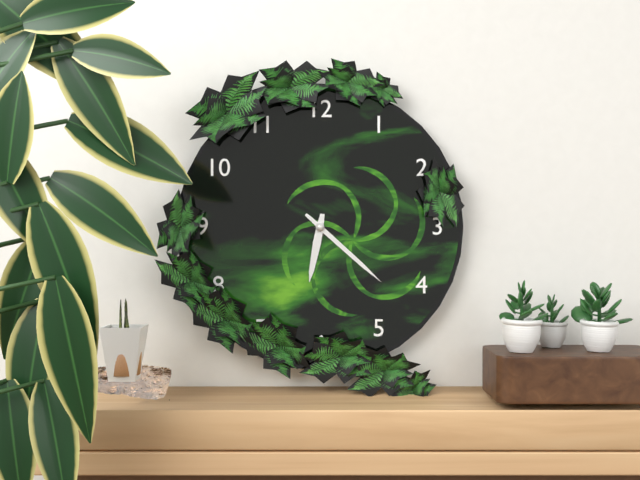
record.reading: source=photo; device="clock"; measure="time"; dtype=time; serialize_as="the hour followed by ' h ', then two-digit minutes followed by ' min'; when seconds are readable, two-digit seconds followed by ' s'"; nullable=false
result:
6 h 22 min
